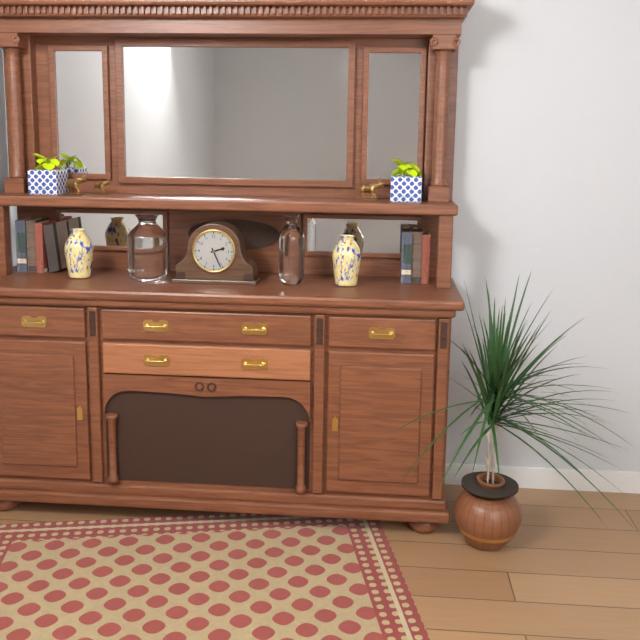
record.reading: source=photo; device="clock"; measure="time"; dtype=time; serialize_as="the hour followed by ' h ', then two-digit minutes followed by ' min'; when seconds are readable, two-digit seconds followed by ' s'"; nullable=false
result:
2 h 26 min
